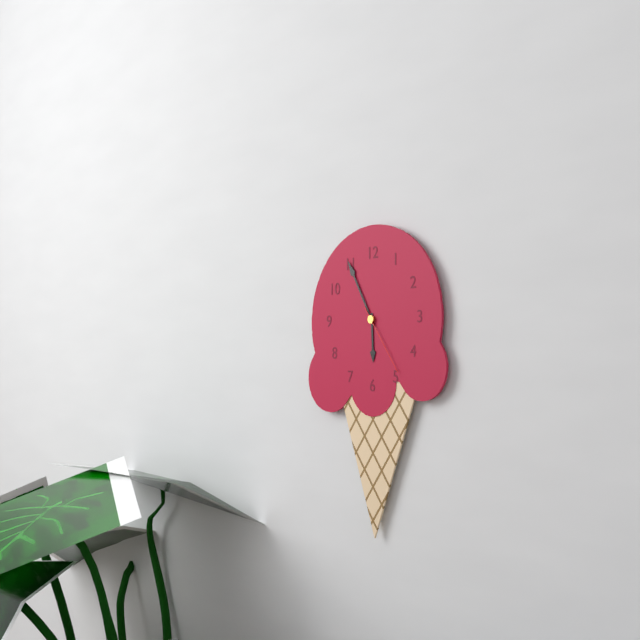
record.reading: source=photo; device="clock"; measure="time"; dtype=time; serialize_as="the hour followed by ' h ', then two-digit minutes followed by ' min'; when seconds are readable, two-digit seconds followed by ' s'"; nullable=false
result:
5 h 55 min 24 s
